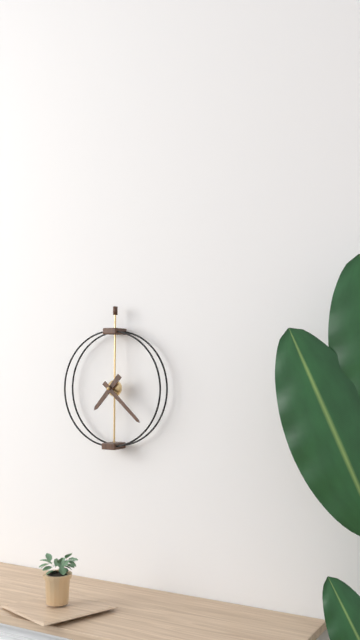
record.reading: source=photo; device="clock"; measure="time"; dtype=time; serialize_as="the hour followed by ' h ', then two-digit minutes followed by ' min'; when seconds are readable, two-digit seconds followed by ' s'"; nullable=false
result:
7 h 22 min
